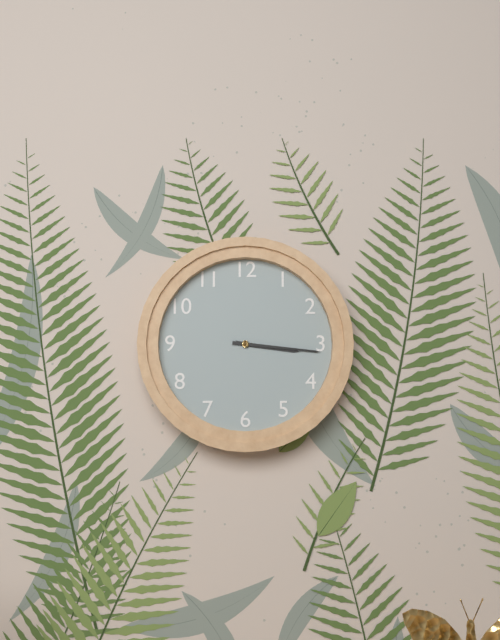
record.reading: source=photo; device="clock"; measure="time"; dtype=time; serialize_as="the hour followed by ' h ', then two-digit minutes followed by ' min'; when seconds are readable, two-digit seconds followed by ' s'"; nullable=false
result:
3 h 16 min
